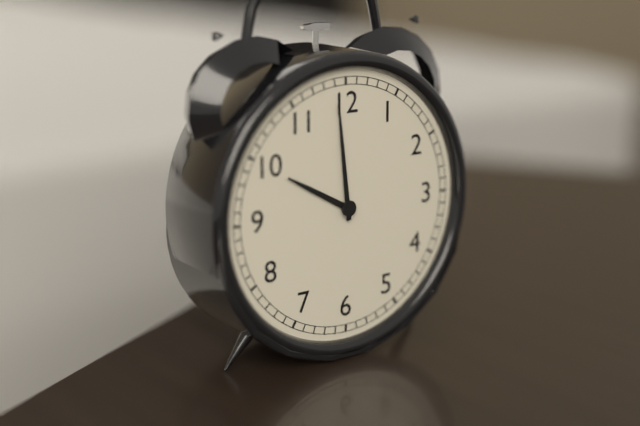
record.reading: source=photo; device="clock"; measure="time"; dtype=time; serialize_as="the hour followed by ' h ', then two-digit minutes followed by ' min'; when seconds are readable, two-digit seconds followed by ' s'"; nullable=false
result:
9 h 59 min
